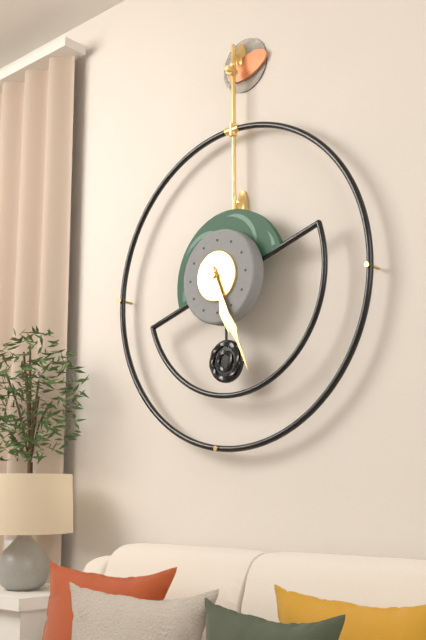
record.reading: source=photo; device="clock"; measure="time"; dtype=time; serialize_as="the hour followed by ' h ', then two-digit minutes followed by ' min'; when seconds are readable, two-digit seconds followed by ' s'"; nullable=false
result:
5 h 26 min
